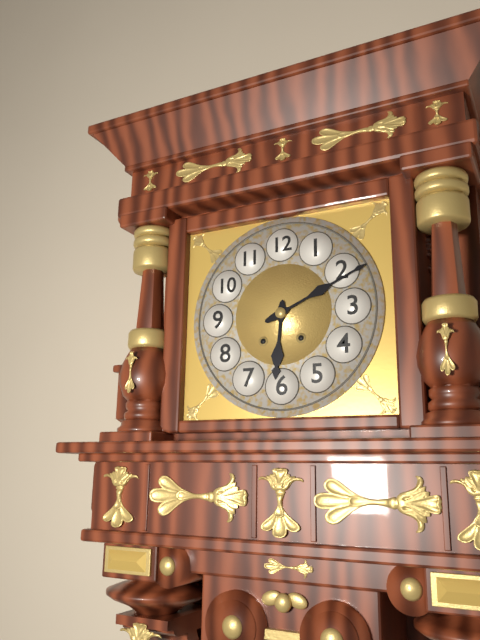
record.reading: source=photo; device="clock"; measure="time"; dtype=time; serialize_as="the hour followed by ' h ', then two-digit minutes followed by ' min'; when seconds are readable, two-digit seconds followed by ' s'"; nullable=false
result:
6 h 11 min
